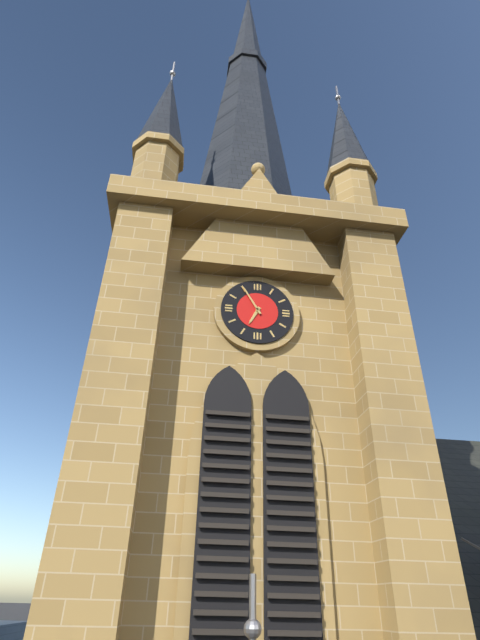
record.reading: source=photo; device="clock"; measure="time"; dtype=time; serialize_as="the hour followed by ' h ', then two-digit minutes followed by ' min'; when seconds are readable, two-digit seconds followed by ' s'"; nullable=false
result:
6 h 55 min
